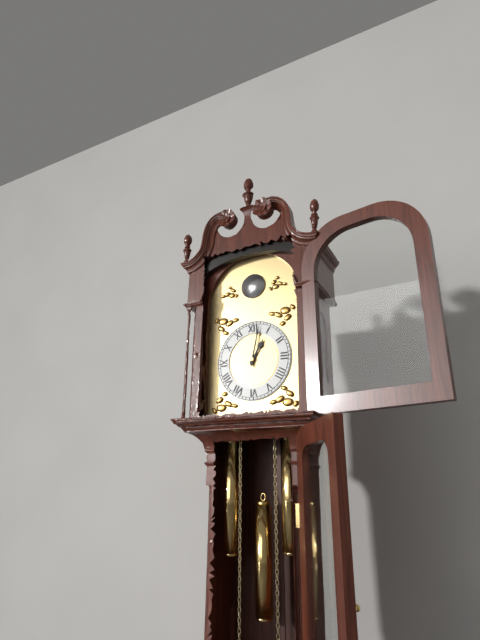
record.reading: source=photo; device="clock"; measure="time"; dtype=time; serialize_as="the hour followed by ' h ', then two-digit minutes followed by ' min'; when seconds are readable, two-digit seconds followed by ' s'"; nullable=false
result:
1 h 02 min
